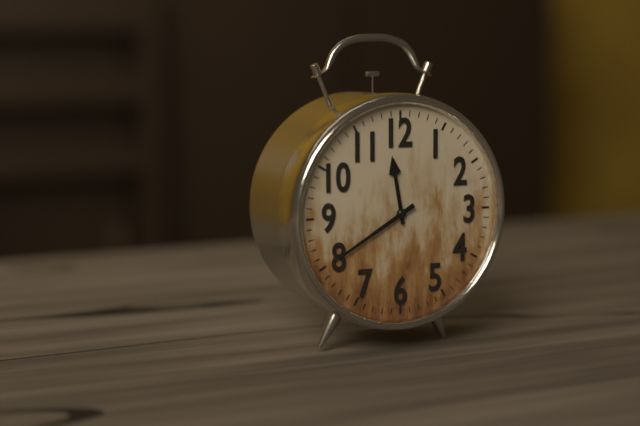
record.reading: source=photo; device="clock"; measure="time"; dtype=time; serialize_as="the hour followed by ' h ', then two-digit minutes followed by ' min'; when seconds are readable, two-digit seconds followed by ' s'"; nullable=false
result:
11 h 40 min
